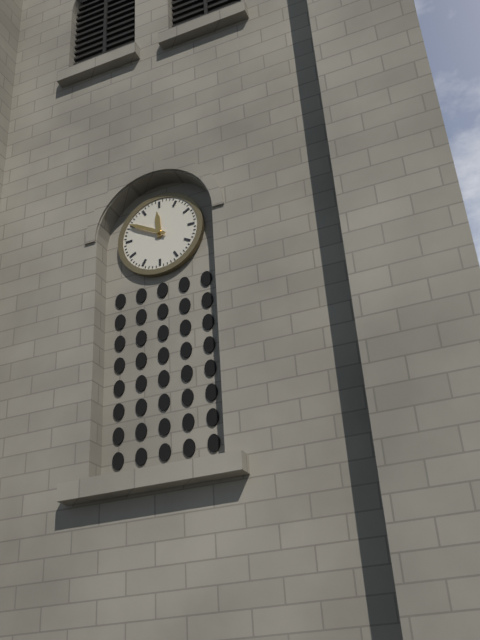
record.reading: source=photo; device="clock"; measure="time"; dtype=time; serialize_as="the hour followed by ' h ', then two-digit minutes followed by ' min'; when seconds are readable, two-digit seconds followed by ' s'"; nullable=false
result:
11 h 50 min
